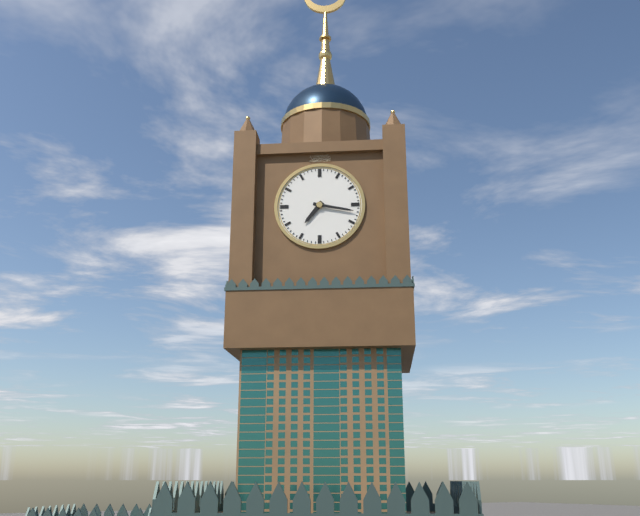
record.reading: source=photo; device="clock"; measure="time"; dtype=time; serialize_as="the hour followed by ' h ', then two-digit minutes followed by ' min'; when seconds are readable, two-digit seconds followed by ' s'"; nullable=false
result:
7 h 17 min
